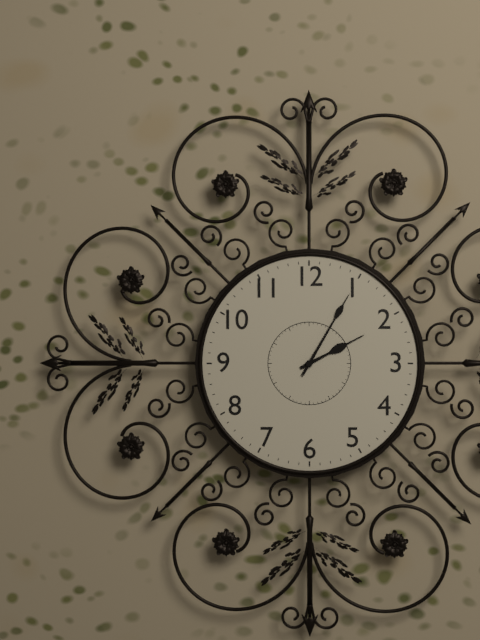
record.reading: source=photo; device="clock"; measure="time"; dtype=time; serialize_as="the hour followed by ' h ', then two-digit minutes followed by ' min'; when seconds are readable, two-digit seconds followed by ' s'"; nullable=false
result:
2 h 05 min
